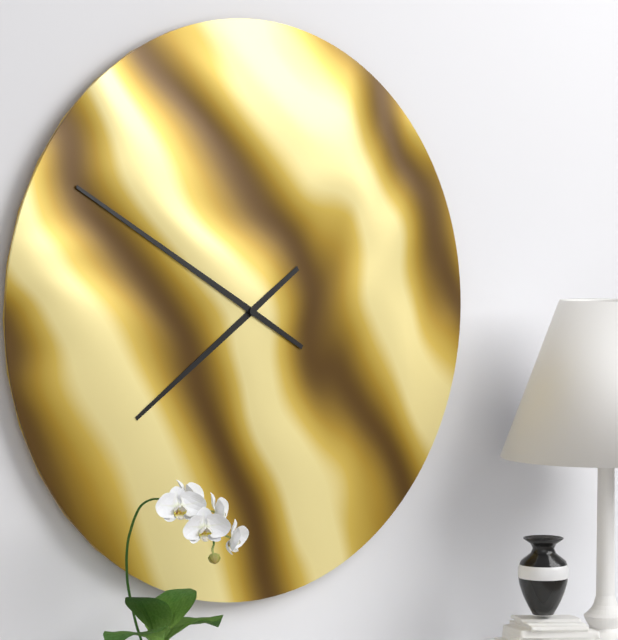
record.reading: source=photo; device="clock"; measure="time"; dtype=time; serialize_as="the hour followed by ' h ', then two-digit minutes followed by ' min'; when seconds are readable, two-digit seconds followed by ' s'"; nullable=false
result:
7 h 50 min
